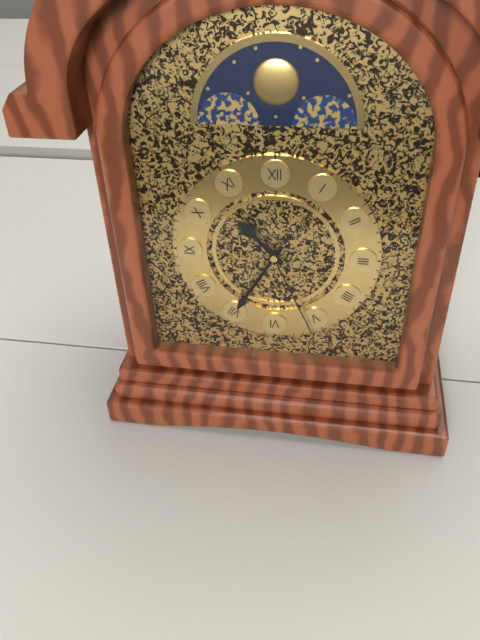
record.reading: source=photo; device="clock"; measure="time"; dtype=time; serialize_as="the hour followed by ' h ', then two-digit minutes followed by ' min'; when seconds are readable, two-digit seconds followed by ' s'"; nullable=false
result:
10 h 35 min 26 s
